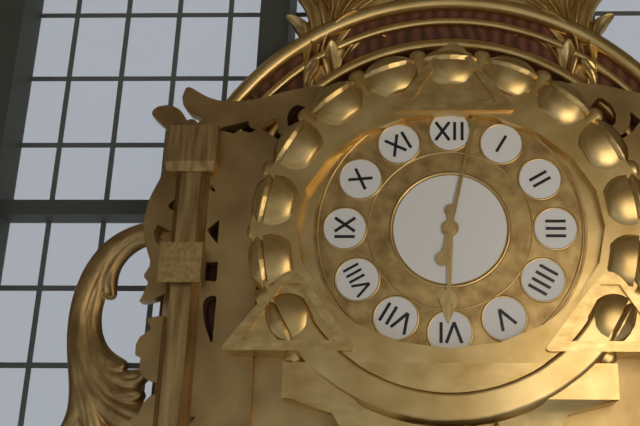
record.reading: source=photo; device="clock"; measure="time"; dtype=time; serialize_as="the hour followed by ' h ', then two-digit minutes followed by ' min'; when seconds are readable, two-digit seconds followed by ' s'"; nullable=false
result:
6 h 02 min
